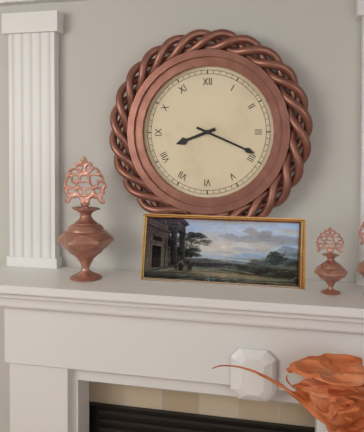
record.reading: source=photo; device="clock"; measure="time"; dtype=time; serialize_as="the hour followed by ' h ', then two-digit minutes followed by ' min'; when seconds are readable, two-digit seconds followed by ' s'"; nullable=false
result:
8 h 19 min
